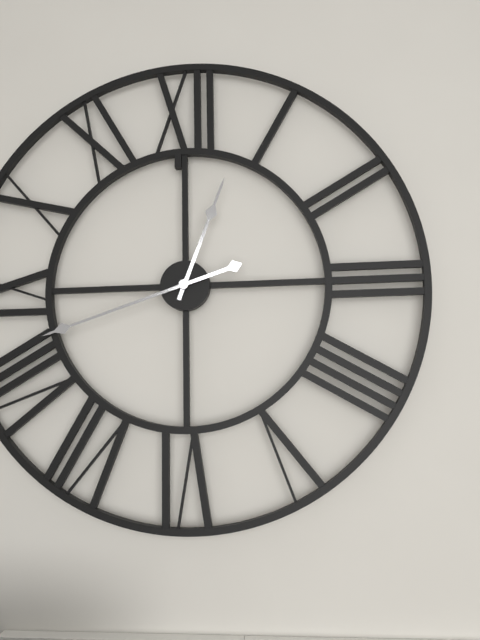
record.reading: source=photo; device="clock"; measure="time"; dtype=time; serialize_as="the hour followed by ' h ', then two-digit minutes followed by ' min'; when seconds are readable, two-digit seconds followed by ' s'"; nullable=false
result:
12 h 42 min
